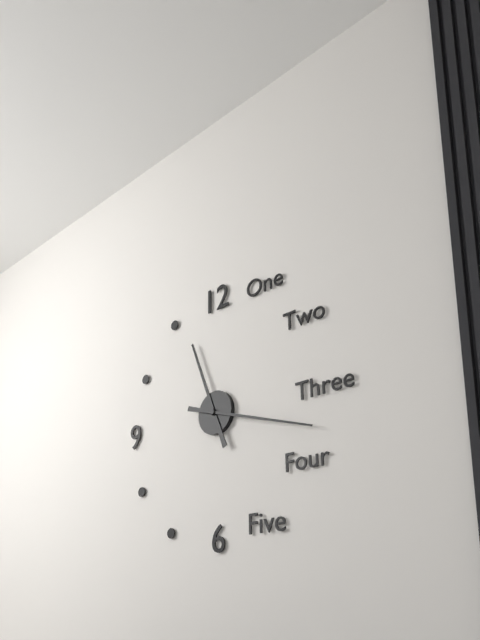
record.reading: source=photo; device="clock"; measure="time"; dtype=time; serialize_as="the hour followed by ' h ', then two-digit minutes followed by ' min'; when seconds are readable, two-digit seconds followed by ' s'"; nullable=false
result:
11 h 18 min
